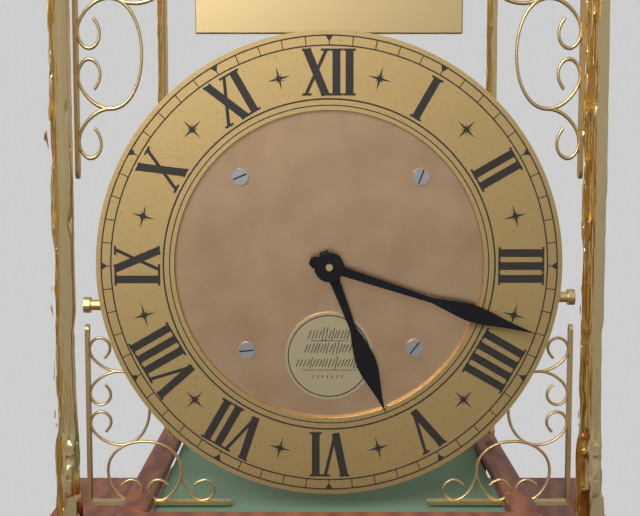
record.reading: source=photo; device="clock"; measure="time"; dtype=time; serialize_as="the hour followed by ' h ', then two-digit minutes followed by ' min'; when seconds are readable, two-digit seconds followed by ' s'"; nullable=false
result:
5 h 18 min
